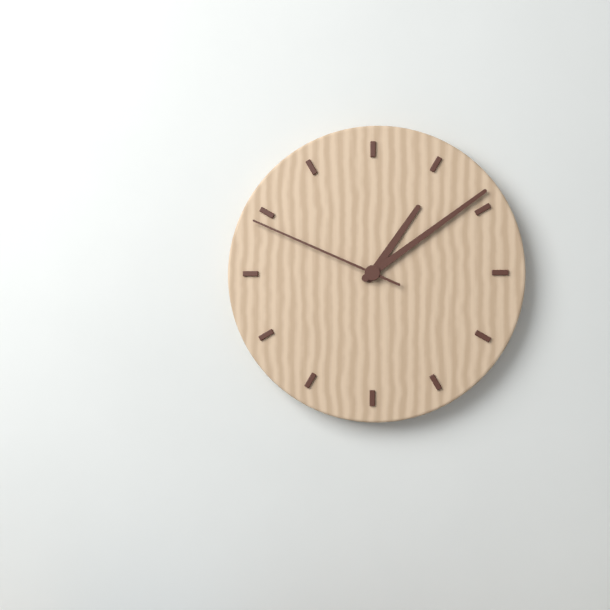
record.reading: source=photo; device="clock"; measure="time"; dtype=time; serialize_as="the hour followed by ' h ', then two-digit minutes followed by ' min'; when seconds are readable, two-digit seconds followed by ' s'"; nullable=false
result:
1 h 09 min 49 s
